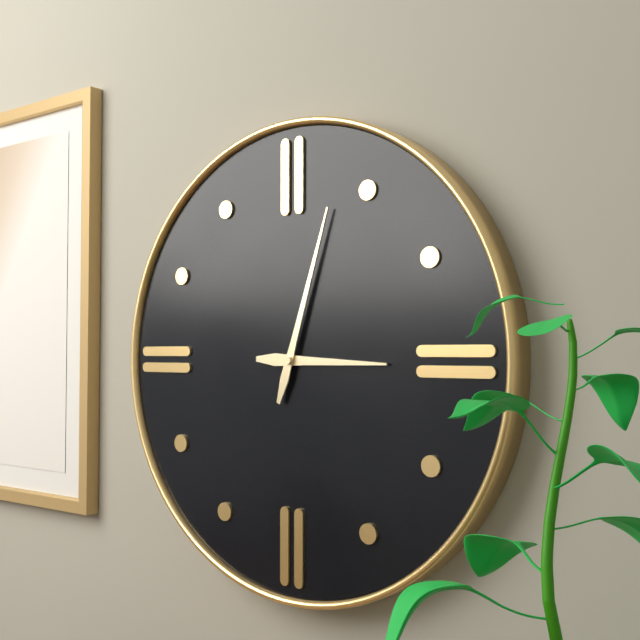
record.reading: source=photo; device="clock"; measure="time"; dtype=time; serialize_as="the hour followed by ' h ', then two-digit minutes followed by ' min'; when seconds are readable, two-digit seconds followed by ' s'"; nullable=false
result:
3 h 03 min
